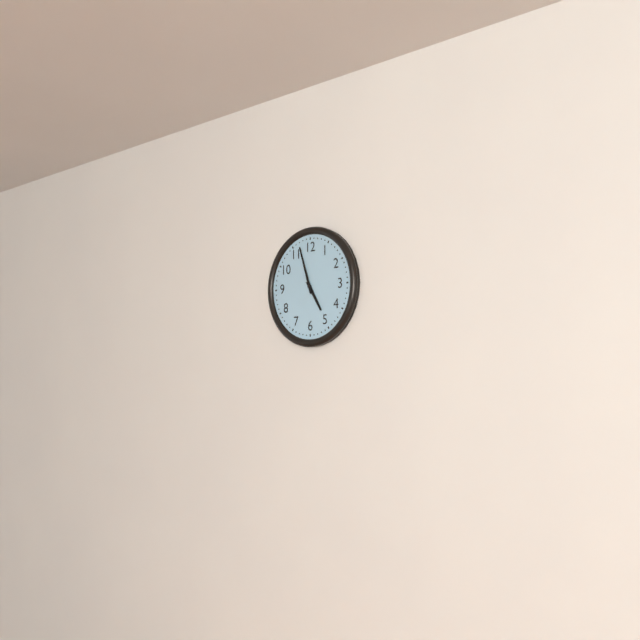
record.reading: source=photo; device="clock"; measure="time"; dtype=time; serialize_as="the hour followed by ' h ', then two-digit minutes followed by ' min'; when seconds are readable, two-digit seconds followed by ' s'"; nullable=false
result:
4 h 57 min
